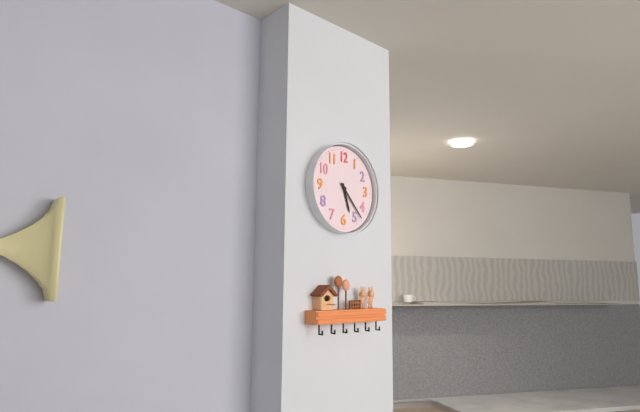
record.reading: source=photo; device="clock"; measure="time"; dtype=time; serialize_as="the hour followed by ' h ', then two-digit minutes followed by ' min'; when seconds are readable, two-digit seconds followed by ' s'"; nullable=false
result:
5 h 23 min
